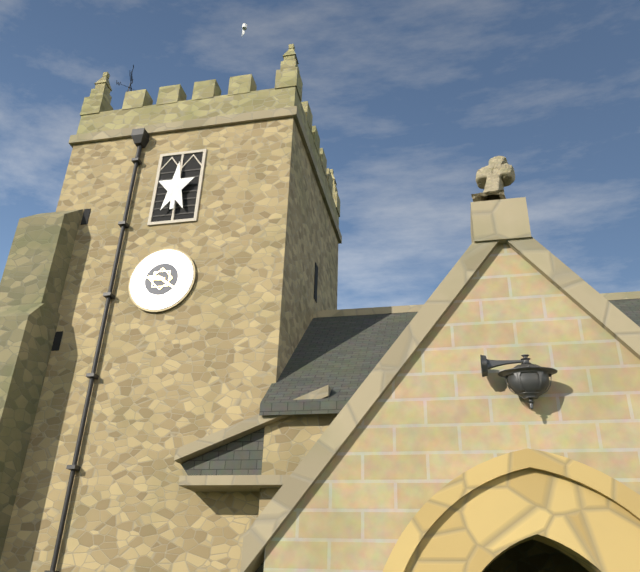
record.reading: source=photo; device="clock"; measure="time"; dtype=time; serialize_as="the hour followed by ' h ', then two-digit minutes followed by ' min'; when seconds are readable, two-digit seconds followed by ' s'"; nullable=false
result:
9 h 21 min
